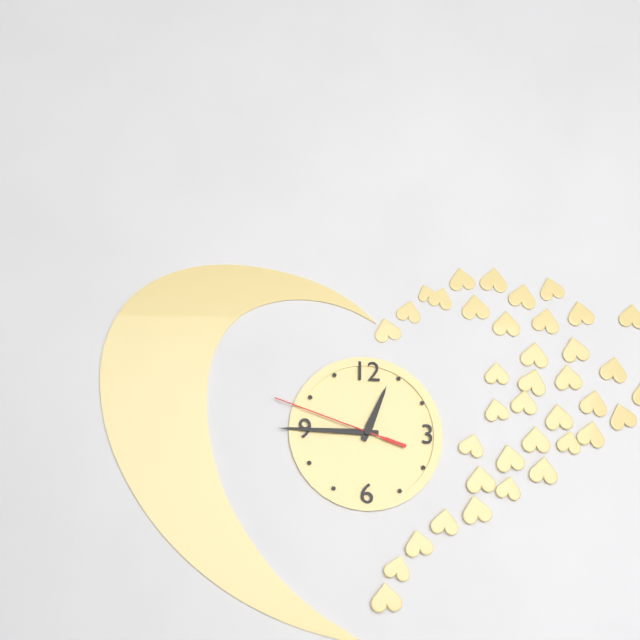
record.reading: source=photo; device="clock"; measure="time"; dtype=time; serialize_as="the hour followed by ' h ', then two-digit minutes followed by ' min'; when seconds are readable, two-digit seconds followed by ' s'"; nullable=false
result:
12 h 45 min 48 s
